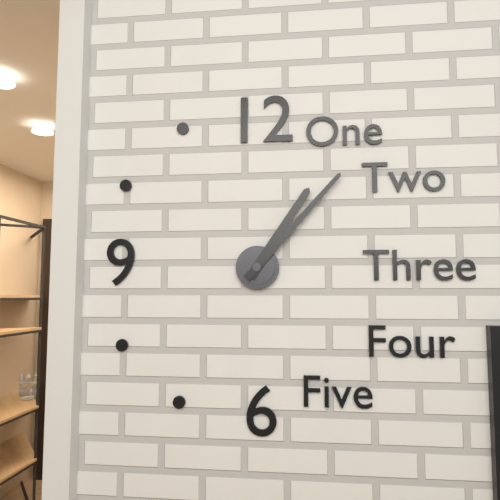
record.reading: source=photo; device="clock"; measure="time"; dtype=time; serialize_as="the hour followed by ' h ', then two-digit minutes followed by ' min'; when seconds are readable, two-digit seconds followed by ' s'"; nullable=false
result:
1 h 07 min
